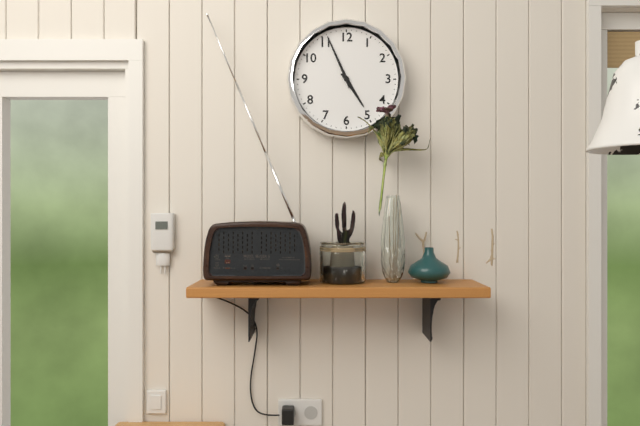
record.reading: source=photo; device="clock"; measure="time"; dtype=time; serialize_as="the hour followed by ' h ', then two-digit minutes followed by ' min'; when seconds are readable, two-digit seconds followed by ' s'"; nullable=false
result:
4 h 56 min
